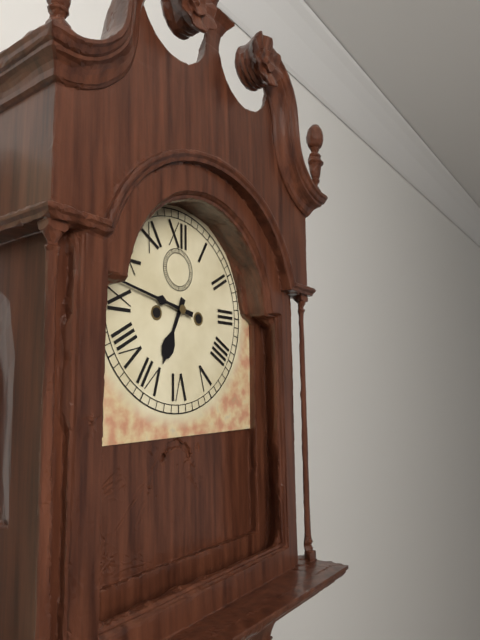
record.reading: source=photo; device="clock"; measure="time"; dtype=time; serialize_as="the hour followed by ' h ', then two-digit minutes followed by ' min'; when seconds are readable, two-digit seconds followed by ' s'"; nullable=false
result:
6 h 47 min
